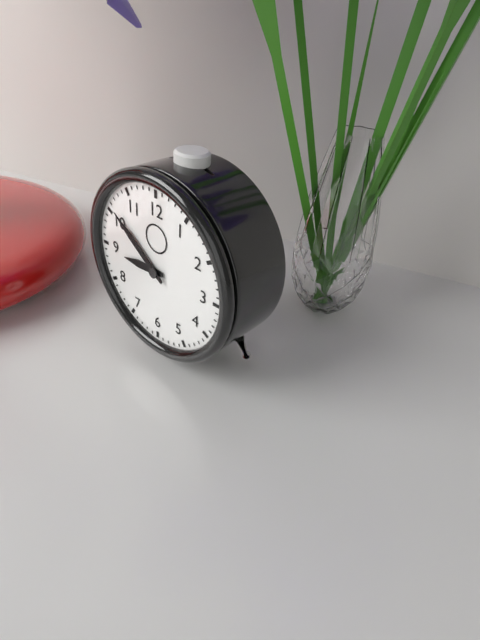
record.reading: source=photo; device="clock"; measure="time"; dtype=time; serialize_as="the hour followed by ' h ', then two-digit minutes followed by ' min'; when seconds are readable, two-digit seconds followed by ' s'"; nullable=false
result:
8 h 51 min
